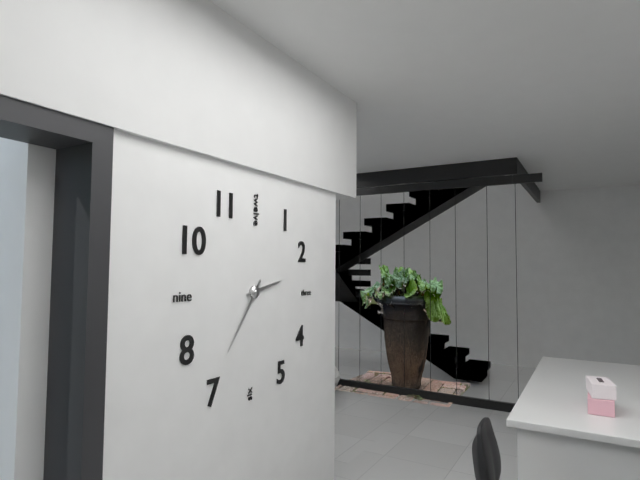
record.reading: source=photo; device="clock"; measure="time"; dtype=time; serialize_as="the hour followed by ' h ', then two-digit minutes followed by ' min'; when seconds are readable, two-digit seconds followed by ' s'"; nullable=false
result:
2 h 36 min
